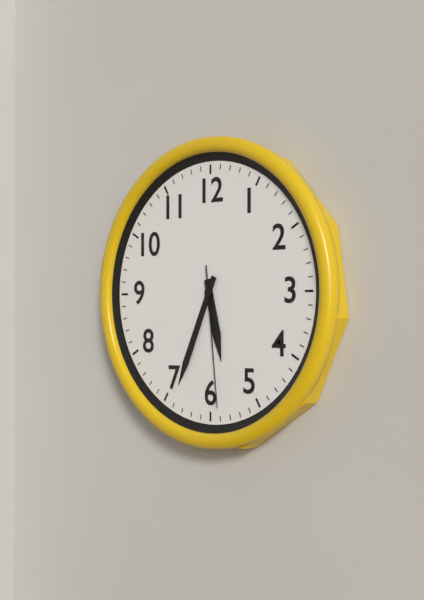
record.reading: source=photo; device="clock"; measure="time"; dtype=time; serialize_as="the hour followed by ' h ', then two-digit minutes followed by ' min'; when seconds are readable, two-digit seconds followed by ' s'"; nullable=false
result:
5 h 34 min 29 s
